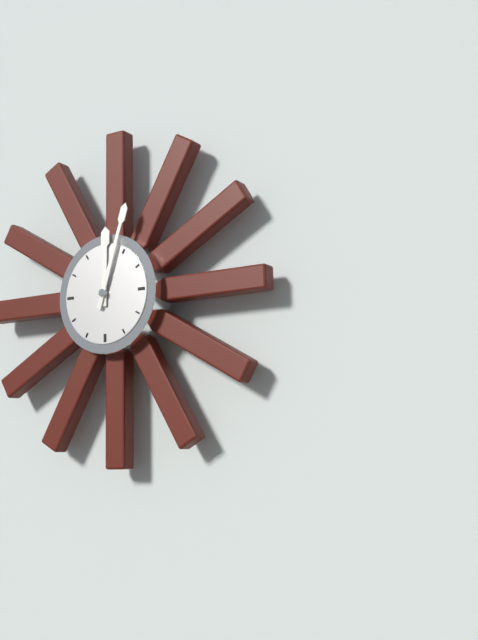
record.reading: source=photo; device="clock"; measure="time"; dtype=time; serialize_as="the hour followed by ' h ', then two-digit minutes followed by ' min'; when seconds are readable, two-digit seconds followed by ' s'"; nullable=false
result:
12 h 03 min
